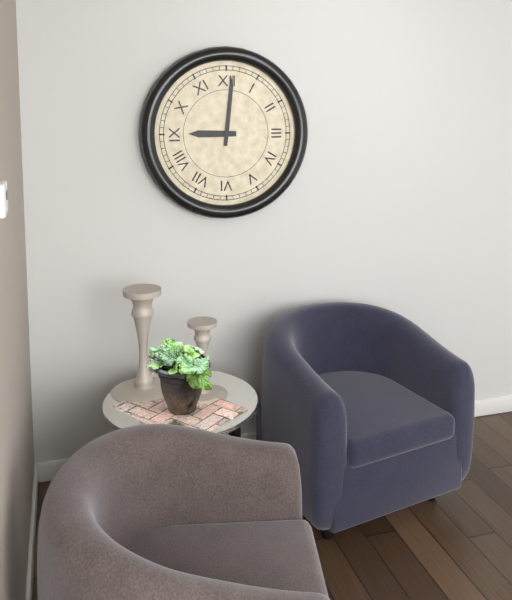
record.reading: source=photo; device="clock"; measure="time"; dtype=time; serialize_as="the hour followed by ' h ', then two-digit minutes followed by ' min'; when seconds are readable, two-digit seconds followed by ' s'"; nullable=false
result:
9 h 01 min
